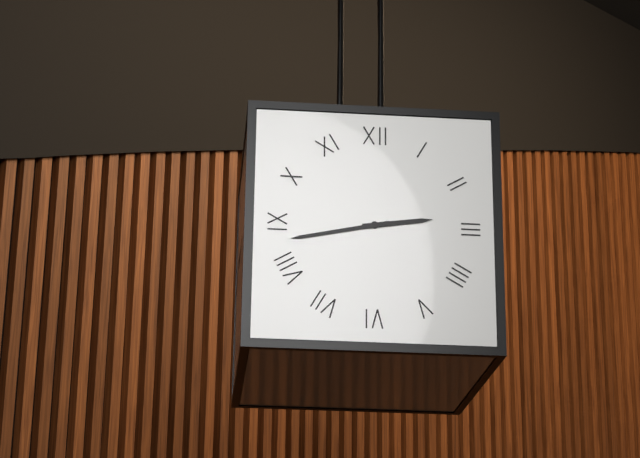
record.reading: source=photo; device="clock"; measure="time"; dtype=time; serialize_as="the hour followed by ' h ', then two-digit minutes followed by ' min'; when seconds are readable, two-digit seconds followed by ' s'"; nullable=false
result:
2 h 43 min
